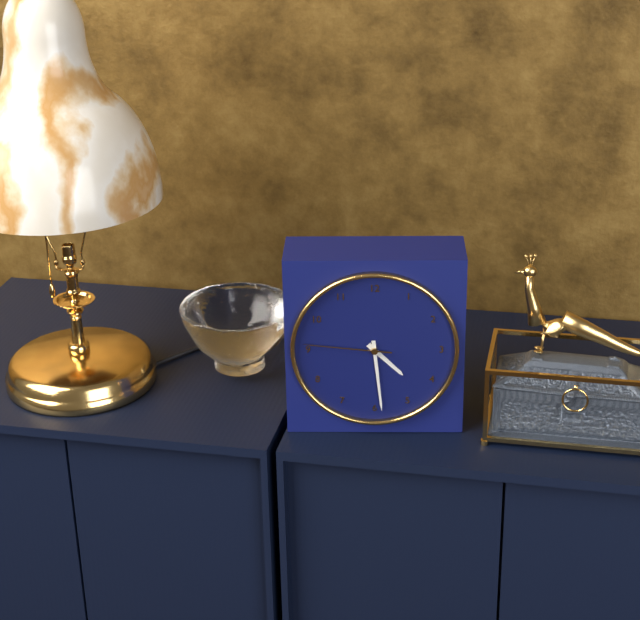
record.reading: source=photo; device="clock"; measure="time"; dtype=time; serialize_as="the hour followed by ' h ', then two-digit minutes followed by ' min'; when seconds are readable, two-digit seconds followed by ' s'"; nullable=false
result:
4 h 29 min 46 s
